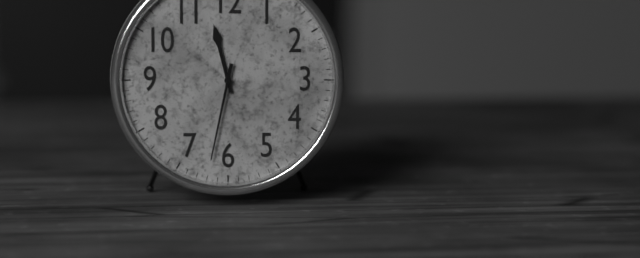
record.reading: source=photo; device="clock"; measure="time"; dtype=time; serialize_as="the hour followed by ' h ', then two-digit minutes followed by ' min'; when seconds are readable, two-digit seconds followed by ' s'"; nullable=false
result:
11 h 32 min
